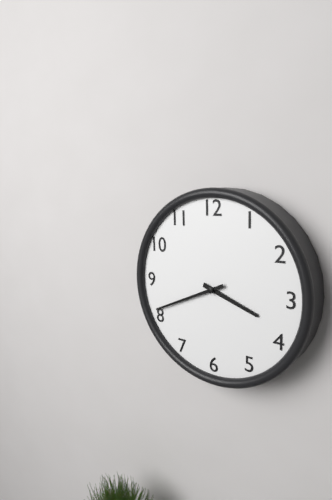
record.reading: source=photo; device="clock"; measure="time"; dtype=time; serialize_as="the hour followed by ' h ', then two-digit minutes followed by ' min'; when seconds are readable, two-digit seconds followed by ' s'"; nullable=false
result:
3 h 41 min
